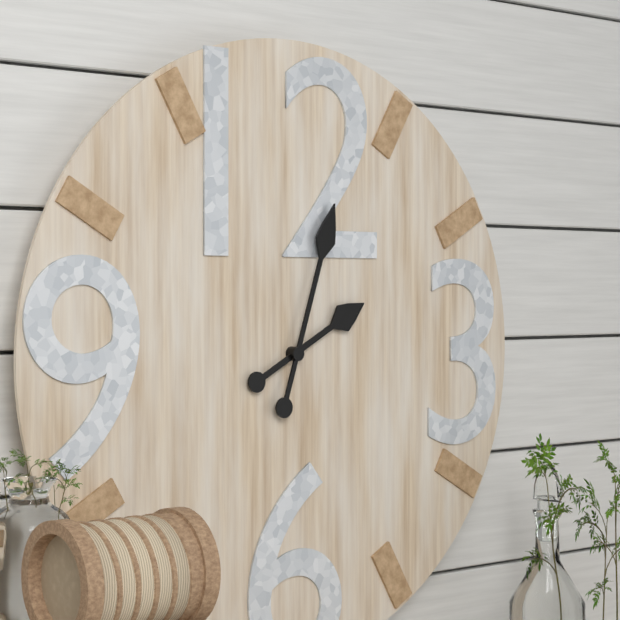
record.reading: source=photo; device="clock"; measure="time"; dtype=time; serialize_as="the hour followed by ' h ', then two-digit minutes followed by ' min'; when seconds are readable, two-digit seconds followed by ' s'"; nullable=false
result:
2 h 03 min
